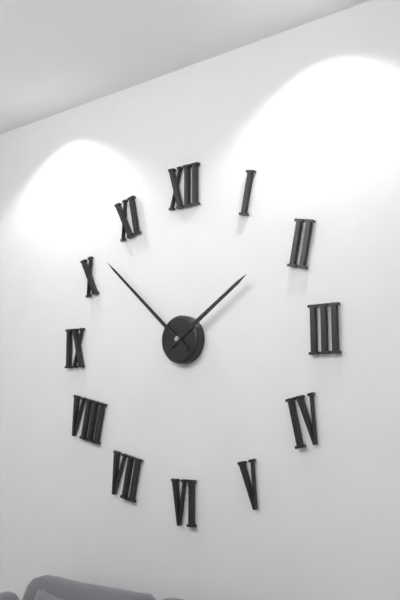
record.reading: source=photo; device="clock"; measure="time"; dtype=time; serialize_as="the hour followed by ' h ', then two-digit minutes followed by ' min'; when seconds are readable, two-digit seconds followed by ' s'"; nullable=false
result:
1 h 52 min
